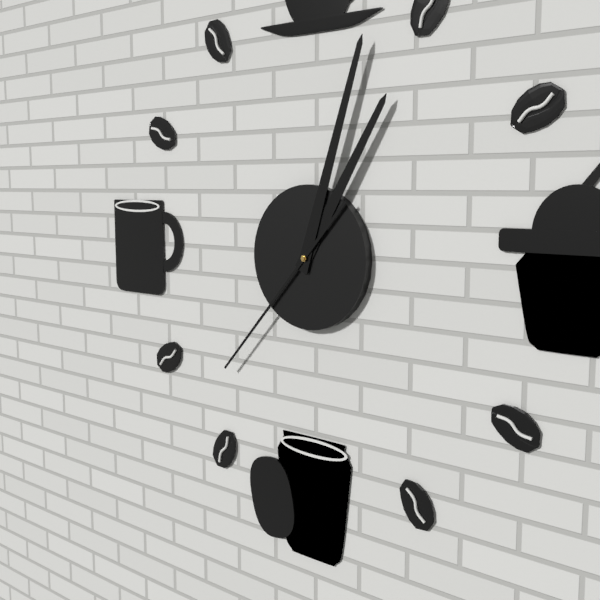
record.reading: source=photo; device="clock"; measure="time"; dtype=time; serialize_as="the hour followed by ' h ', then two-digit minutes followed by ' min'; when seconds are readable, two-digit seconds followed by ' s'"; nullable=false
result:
1 h 03 min 37 s
